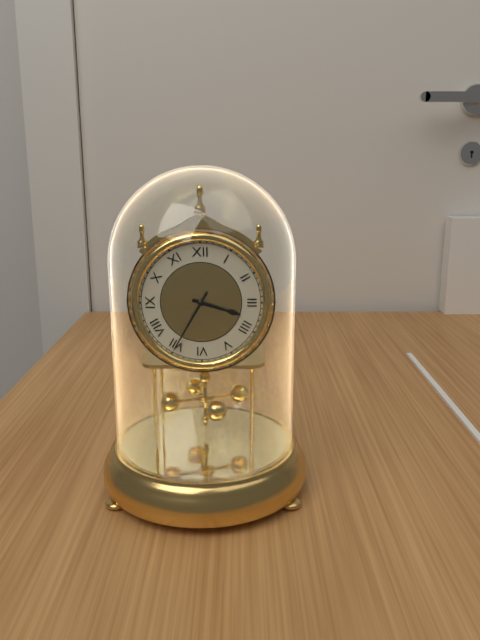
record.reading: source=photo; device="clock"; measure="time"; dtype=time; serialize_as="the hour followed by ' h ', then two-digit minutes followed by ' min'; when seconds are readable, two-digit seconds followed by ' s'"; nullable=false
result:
3 h 35 min
